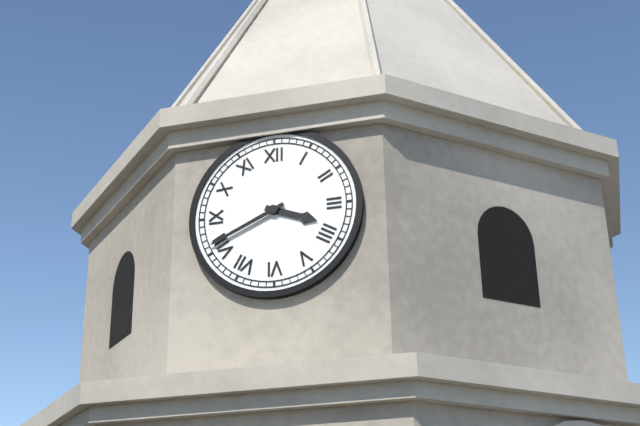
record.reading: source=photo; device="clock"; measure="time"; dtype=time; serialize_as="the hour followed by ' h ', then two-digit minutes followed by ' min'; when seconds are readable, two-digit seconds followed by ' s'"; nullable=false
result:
3 h 41 min
